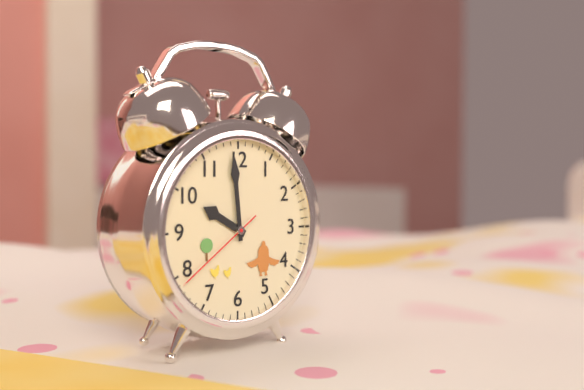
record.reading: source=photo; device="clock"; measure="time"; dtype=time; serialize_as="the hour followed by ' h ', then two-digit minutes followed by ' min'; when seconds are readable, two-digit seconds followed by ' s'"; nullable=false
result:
9 h 59 min 39 s
